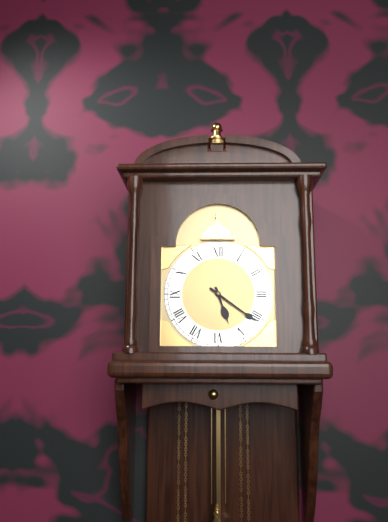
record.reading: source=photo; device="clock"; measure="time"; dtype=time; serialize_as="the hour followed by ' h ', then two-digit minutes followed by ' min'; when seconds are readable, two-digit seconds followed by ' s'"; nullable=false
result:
5 h 21 min
